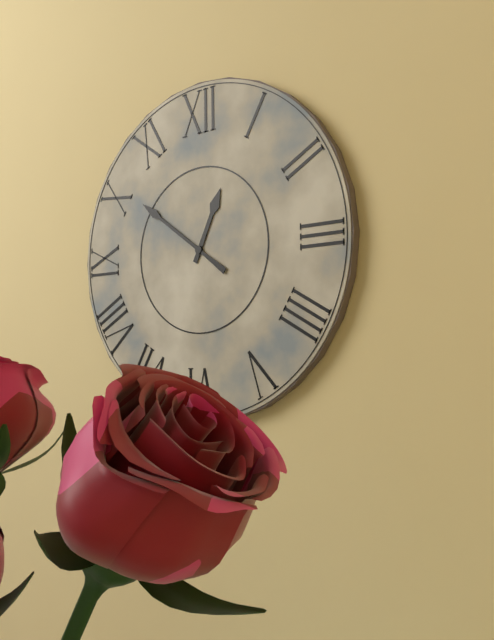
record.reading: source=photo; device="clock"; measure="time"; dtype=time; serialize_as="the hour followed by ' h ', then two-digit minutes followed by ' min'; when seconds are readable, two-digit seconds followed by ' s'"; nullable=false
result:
12 h 51 min
